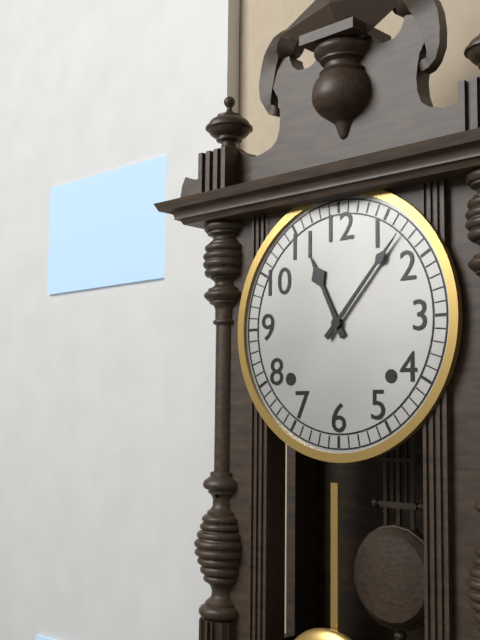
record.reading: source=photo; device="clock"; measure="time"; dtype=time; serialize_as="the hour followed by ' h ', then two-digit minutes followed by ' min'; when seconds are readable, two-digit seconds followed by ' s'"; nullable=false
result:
11 h 07 min
